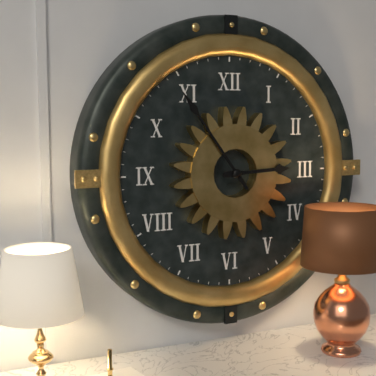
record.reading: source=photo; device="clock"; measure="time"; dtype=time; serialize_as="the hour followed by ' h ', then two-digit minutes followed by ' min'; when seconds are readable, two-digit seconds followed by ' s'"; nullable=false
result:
2 h 54 min
